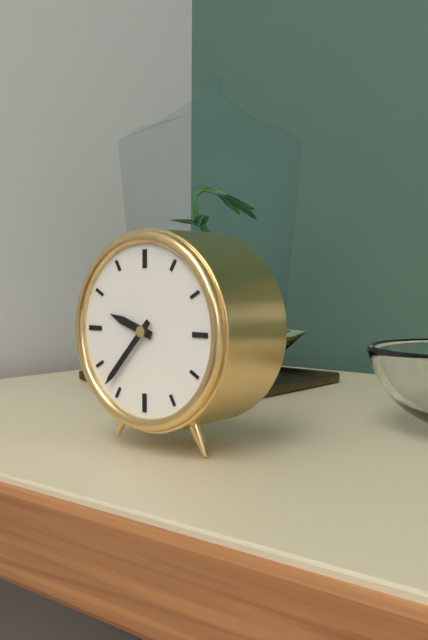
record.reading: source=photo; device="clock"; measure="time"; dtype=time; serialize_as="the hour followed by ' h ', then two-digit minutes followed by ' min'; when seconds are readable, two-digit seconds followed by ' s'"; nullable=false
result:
9 h 37 min
